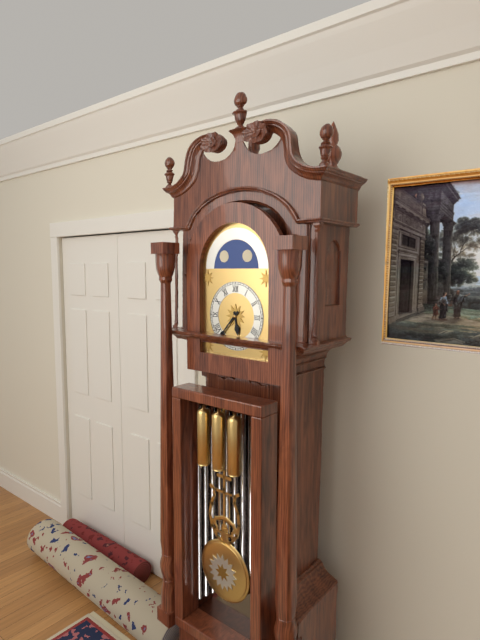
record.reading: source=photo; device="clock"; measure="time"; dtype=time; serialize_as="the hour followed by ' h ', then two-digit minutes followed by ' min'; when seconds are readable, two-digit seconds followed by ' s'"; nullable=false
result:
5 h 37 min
